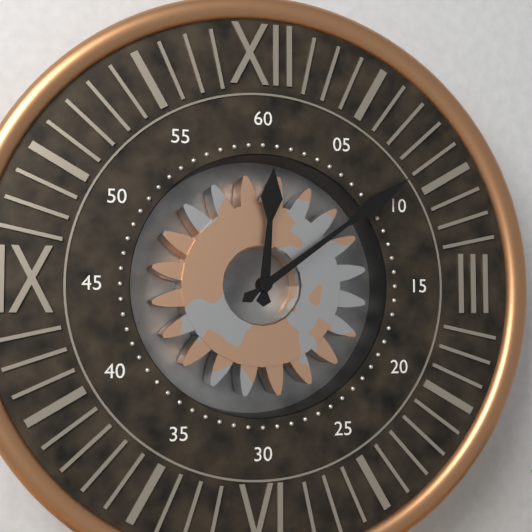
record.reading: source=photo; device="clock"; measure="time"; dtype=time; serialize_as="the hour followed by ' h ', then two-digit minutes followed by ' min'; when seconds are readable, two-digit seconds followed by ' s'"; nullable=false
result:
12 h 09 min
